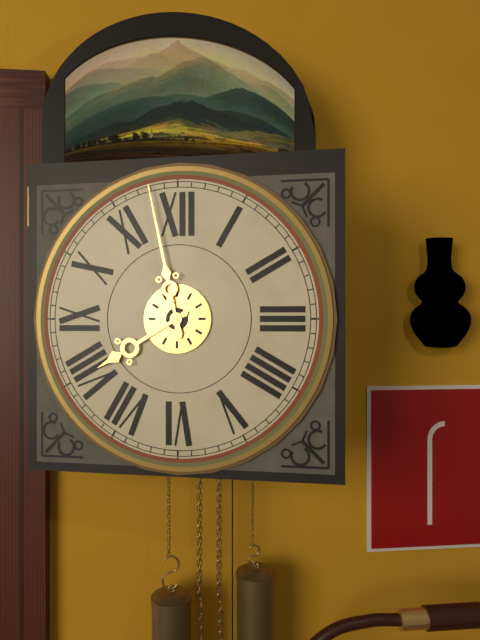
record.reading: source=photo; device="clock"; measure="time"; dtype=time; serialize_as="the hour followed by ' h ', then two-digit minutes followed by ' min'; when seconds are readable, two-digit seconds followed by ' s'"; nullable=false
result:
7 h 58 min
